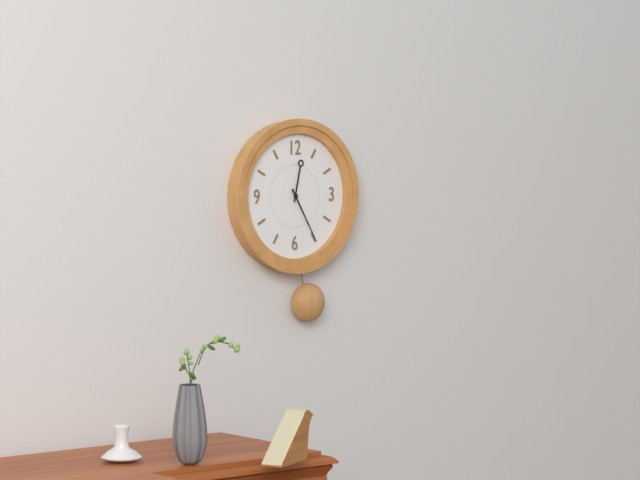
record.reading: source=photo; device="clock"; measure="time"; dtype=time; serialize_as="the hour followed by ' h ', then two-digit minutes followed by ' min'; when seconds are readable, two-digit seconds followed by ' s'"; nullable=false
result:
12 h 25 min
